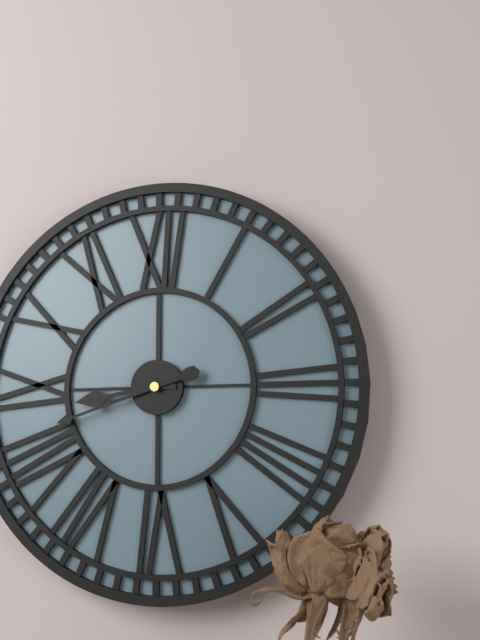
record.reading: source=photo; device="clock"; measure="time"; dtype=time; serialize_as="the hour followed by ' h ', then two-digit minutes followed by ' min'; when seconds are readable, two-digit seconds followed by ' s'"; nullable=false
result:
8 h 42 min
